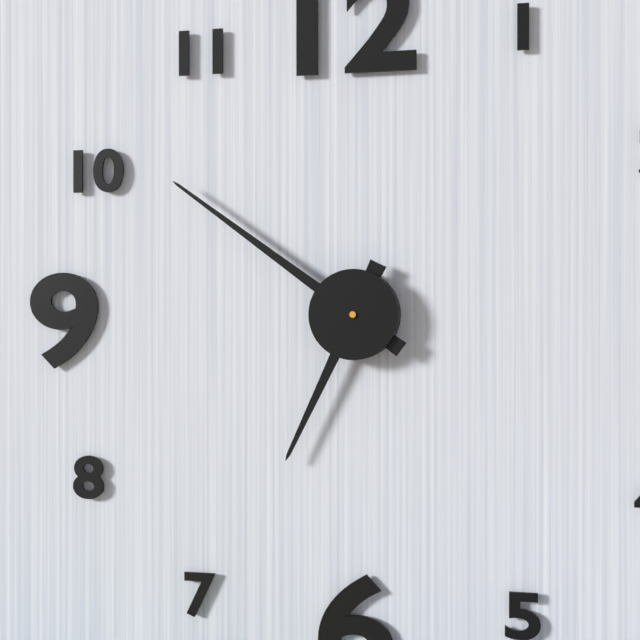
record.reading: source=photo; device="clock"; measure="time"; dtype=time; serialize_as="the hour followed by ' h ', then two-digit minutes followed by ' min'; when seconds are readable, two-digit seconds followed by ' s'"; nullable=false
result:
6 h 51 min
